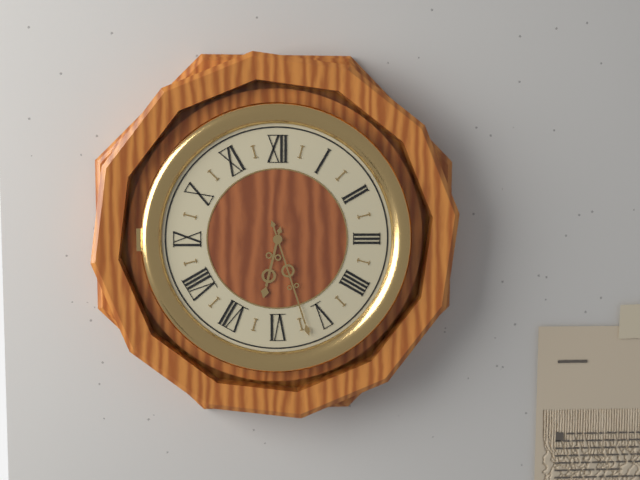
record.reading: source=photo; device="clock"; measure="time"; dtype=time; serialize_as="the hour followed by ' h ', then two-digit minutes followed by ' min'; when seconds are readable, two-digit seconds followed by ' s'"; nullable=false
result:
6 h 27 min
